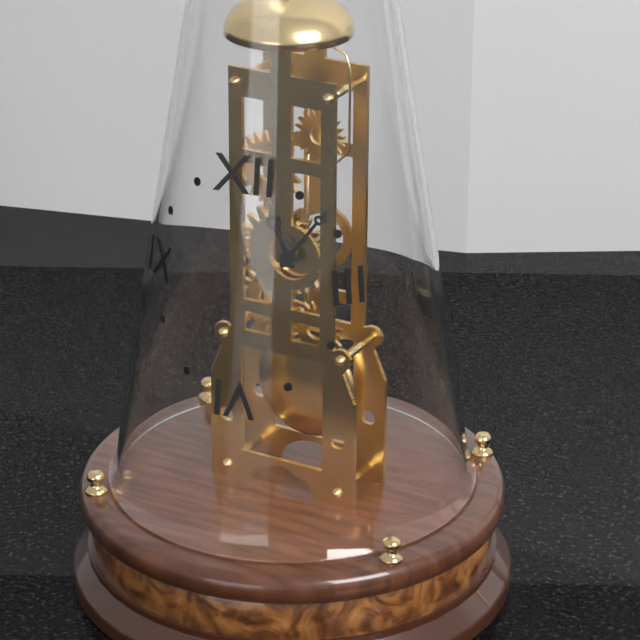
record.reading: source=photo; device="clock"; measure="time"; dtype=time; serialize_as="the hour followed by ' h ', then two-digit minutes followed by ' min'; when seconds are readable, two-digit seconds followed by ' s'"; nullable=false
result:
11 h 06 min
